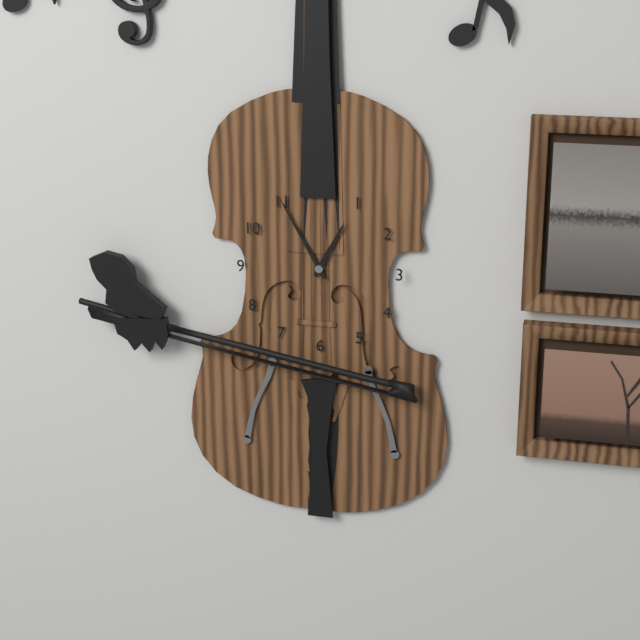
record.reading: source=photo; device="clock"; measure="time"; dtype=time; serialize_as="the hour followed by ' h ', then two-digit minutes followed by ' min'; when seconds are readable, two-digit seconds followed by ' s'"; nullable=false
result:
12 h 55 min
